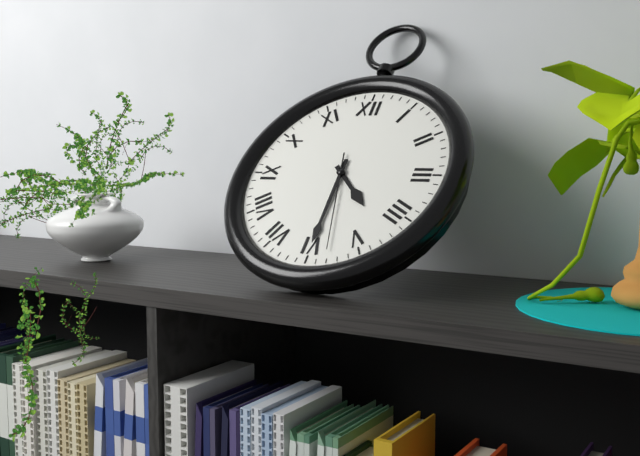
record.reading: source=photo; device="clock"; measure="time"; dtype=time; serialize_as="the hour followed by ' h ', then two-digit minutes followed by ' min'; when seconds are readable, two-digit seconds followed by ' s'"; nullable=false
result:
4 h 30 min 28 s
